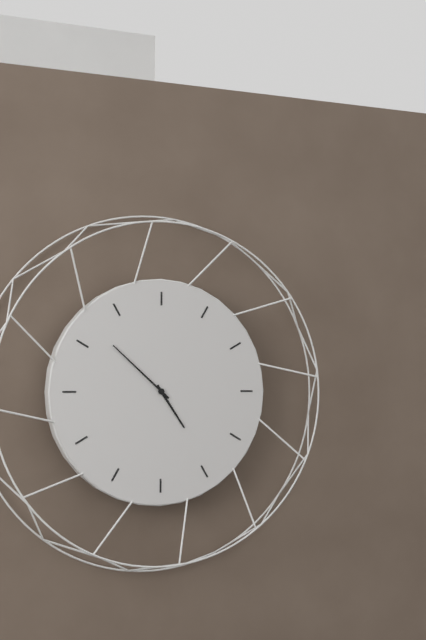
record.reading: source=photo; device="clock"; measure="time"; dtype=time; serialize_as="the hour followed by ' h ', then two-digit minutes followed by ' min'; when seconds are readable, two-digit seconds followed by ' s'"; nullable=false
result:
4 h 52 min
